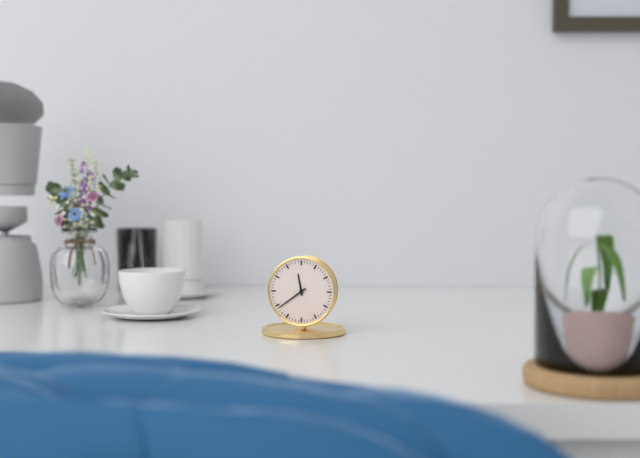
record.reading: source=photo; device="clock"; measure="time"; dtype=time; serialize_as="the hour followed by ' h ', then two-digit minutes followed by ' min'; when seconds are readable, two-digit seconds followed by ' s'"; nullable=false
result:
11 h 39 min
